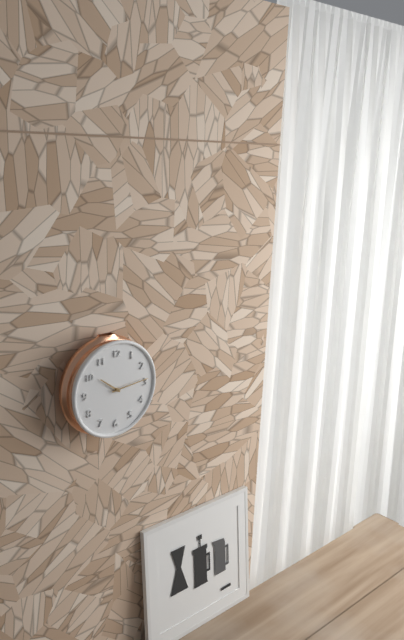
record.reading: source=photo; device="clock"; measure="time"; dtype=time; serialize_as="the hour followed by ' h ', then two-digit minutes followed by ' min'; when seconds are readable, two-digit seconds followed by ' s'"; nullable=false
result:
10 h 14 min
